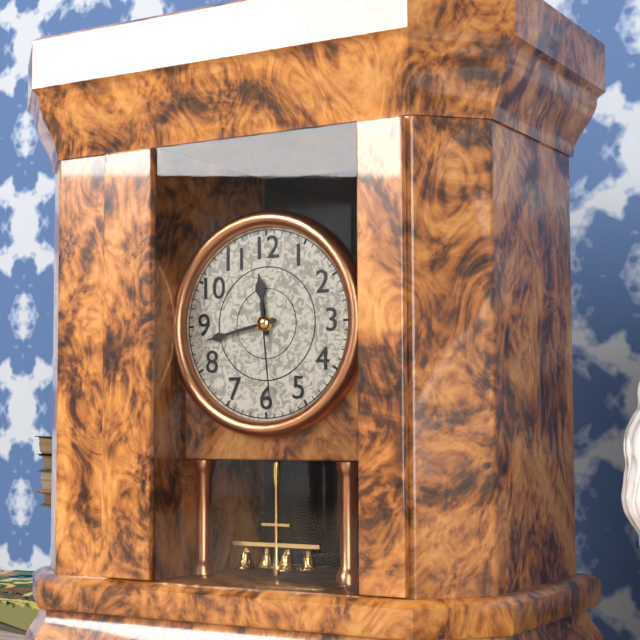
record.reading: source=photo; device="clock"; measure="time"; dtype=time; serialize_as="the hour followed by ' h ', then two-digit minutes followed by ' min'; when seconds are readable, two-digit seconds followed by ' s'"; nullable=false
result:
11 h 43 min 29 s
